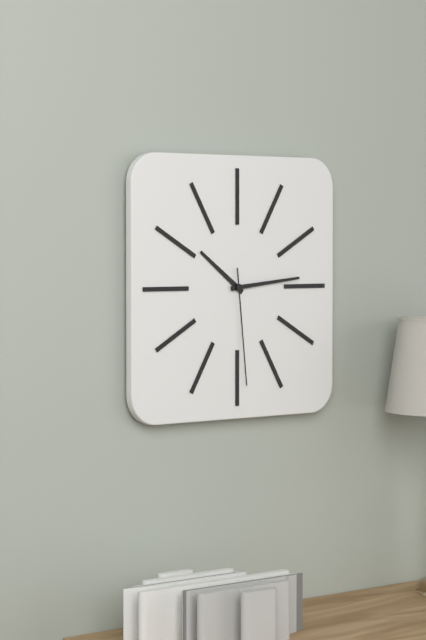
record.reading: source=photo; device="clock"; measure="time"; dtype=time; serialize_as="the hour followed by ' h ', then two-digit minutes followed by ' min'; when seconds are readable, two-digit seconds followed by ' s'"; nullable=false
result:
10 h 14 min 29 s
